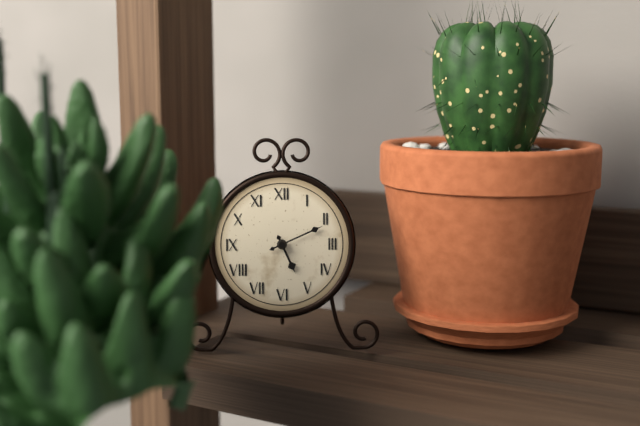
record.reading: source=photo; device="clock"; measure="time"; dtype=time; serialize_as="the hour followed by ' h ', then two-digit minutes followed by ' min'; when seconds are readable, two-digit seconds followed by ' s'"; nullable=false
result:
5 h 11 min
